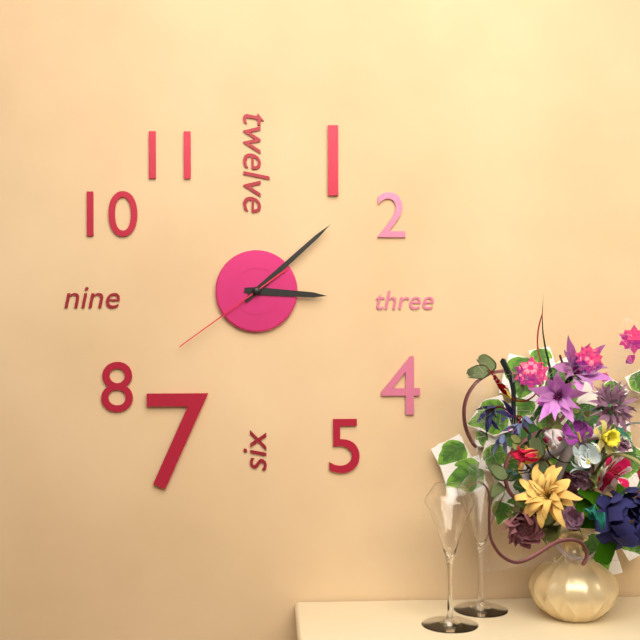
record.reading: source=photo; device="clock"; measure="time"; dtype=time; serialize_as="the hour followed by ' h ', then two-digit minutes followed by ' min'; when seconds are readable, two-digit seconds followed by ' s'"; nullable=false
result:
3 h 08 min 39 s
